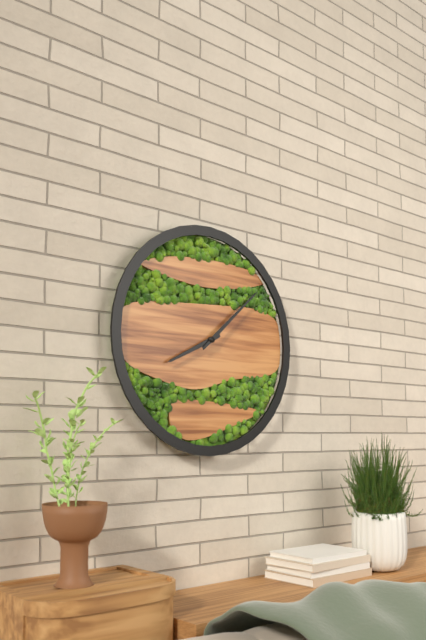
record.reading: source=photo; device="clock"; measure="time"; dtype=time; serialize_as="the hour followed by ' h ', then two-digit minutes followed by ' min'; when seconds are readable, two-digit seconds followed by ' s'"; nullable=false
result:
8 h 08 min
